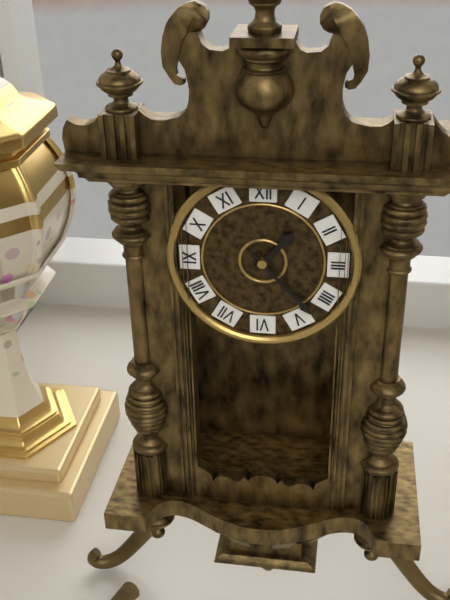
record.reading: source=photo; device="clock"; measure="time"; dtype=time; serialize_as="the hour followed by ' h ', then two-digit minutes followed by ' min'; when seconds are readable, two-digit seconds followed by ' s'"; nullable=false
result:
1 h 23 min
